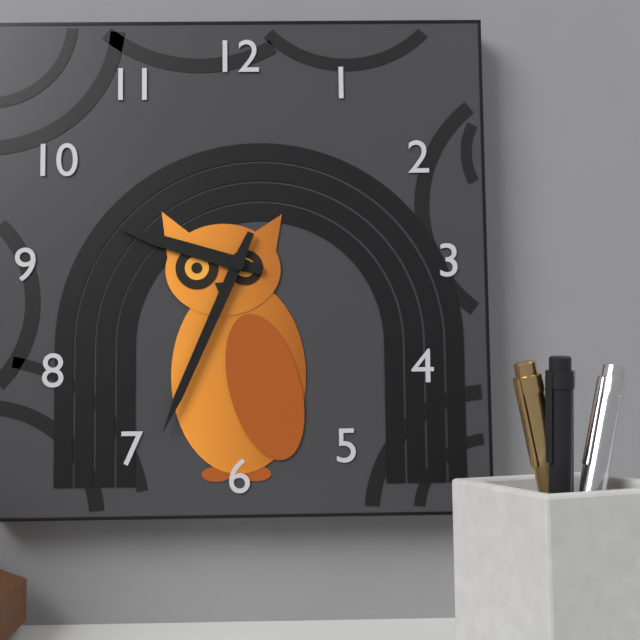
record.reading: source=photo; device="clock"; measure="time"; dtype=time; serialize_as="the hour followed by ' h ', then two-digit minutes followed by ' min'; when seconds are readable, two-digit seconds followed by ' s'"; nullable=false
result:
9 h 34 min
